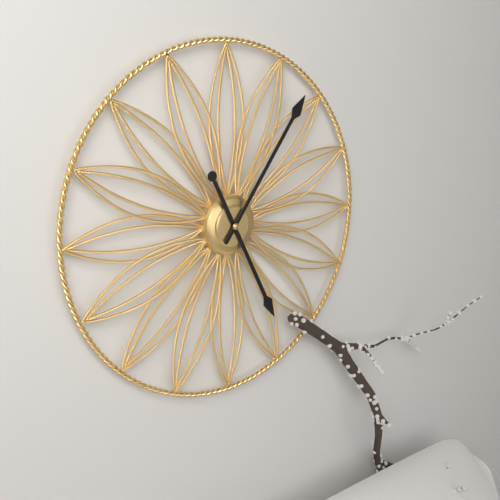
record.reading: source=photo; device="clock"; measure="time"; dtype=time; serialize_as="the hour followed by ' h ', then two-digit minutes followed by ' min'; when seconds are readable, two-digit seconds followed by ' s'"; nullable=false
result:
5 h 06 min
